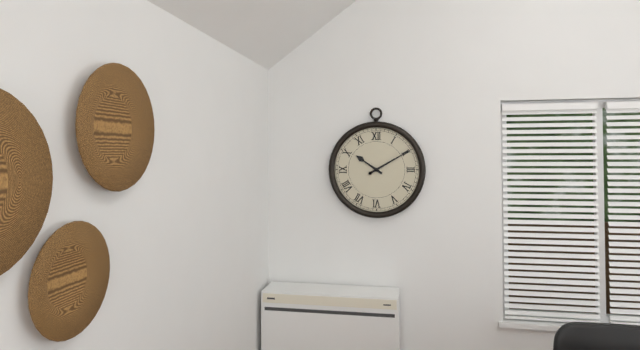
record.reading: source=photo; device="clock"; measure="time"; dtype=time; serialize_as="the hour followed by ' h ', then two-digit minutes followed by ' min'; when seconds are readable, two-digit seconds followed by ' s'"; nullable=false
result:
10 h 10 min
